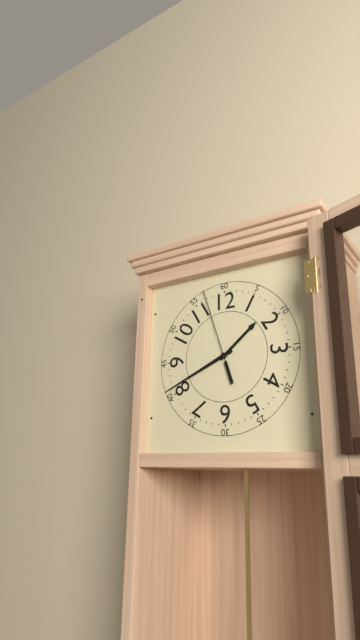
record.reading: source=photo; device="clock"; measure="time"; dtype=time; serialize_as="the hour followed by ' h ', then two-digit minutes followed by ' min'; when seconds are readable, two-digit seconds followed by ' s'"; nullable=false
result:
1 h 41 min 57 s
